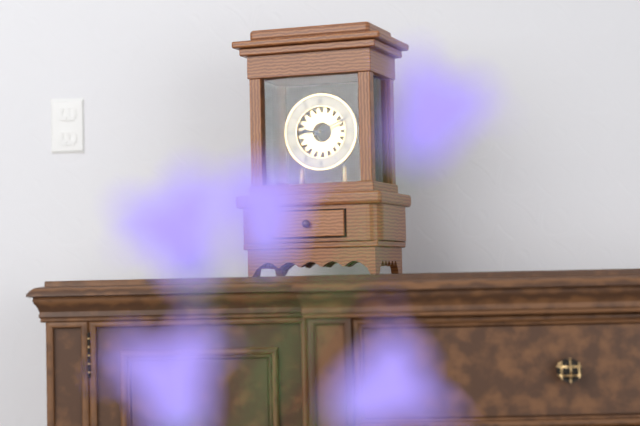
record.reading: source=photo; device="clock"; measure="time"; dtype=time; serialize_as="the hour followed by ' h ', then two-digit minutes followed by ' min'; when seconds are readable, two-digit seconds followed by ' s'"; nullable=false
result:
9 h 11 min
